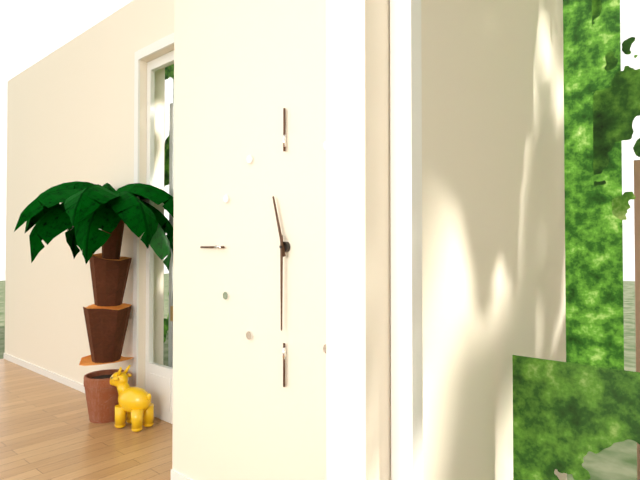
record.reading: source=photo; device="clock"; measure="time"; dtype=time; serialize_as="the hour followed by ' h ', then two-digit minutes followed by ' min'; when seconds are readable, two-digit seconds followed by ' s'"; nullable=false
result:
11 h 30 min
